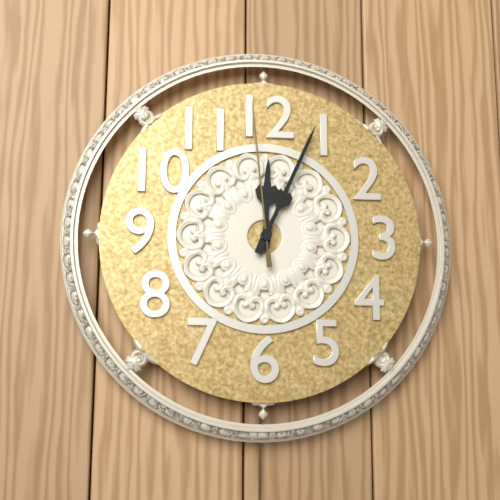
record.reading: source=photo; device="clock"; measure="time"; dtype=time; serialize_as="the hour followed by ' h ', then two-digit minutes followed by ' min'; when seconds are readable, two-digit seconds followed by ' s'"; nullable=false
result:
12 h 04 min 59 s
